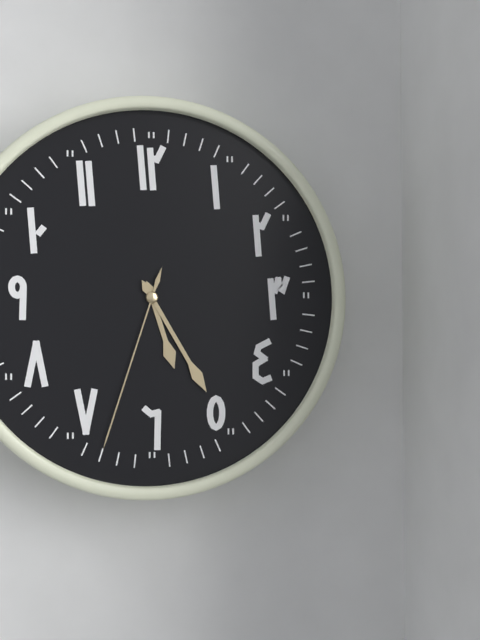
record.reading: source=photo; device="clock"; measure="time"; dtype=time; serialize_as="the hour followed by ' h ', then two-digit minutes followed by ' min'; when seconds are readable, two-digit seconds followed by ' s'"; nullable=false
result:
5 h 25 min 33 s
